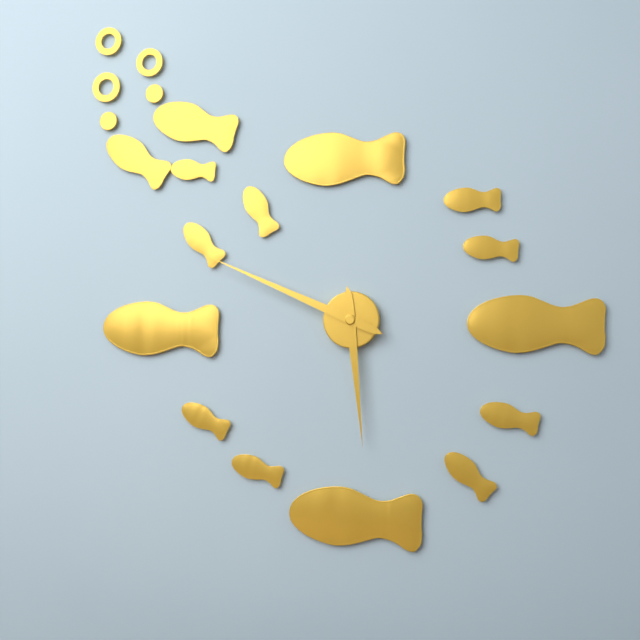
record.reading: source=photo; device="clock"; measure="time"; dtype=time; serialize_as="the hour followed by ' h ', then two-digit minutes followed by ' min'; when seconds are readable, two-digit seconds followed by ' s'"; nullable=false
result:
5 h 49 min
